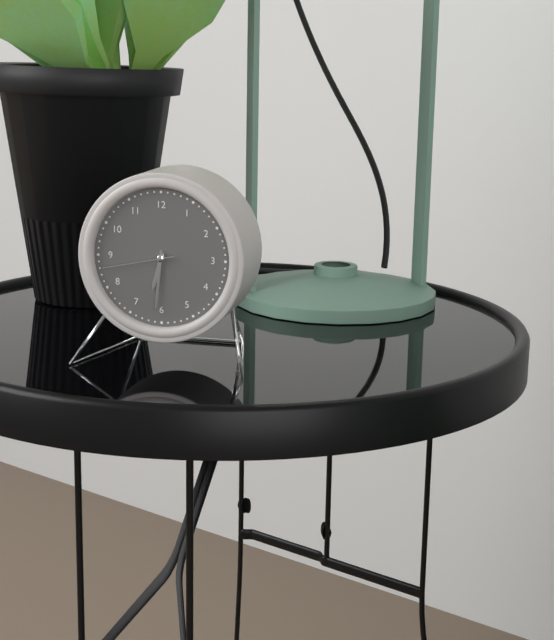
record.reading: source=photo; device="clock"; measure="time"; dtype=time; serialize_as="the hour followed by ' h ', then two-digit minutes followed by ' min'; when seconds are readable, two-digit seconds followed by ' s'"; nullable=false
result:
6 h 31 min 43 s
